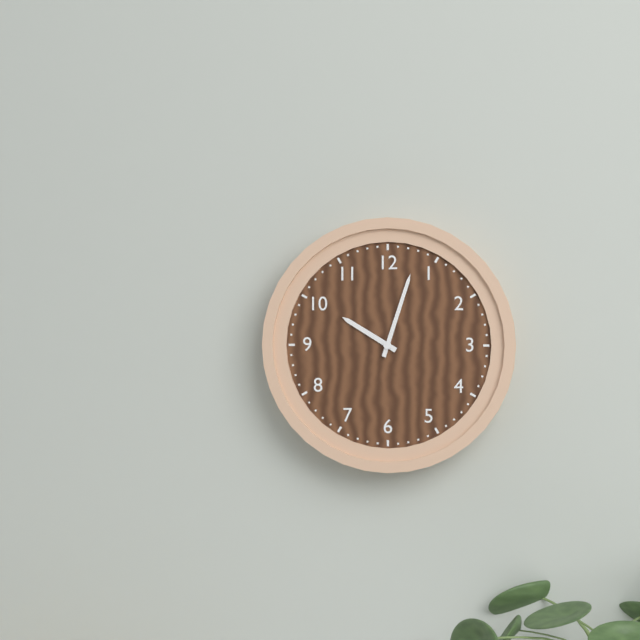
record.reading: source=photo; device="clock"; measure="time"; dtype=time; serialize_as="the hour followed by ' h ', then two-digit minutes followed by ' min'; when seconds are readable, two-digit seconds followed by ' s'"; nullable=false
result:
10 h 03 min
